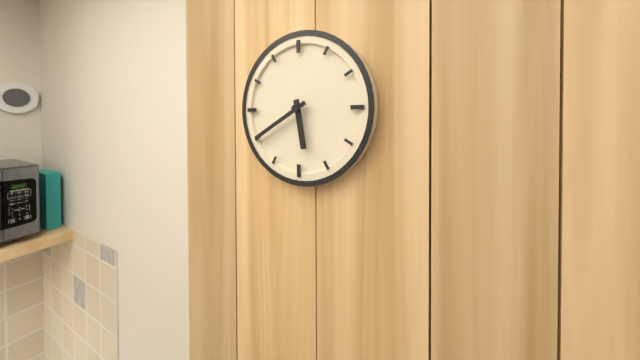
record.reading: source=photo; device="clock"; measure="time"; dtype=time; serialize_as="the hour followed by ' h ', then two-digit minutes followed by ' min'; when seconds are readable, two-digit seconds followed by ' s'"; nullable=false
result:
5 h 40 min
